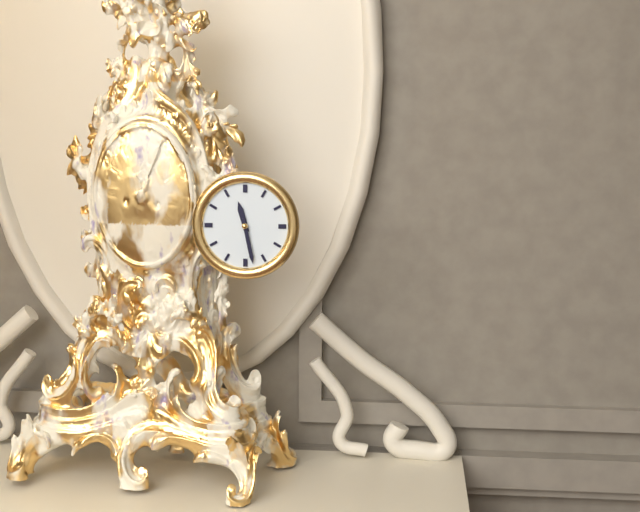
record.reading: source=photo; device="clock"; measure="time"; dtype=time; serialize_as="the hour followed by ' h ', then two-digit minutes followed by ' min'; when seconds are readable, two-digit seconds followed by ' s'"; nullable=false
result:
11 h 28 min
